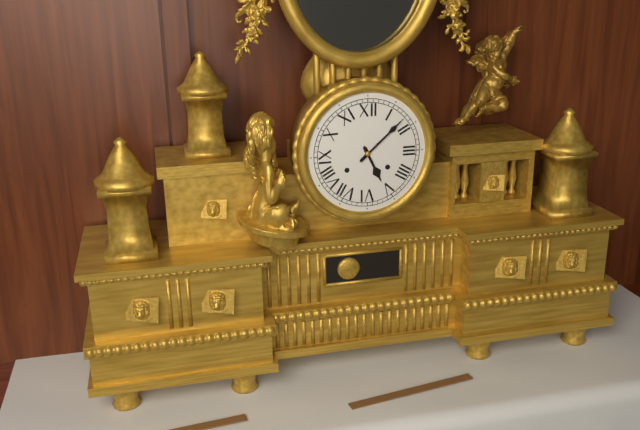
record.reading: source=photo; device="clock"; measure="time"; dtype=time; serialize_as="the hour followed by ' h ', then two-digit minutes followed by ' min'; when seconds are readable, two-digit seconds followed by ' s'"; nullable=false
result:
5 h 08 min
